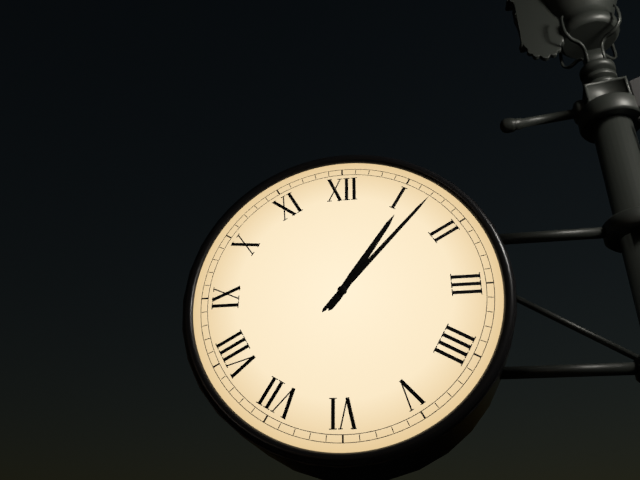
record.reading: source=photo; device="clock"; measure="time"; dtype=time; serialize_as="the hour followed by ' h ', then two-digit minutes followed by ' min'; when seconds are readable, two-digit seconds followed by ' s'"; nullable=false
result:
1 h 07 min
